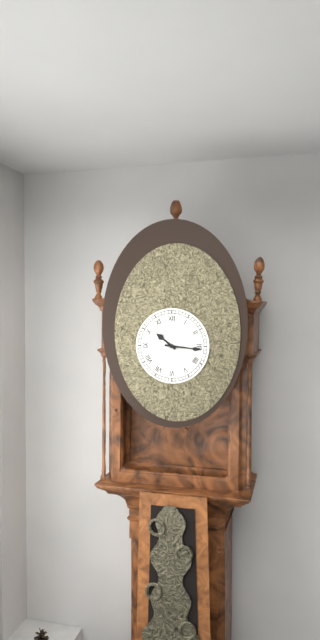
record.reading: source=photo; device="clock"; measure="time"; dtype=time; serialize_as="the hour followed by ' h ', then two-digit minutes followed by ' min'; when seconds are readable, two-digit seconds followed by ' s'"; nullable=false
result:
10 h 16 min
